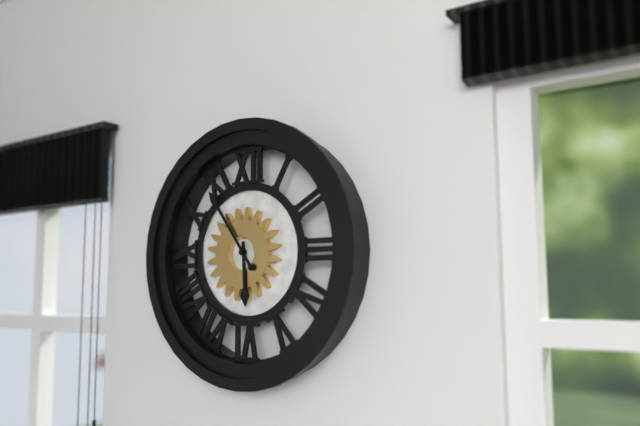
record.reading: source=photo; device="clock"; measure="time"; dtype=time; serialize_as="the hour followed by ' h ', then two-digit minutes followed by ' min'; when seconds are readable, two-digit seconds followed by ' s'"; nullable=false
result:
5 h 54 min
